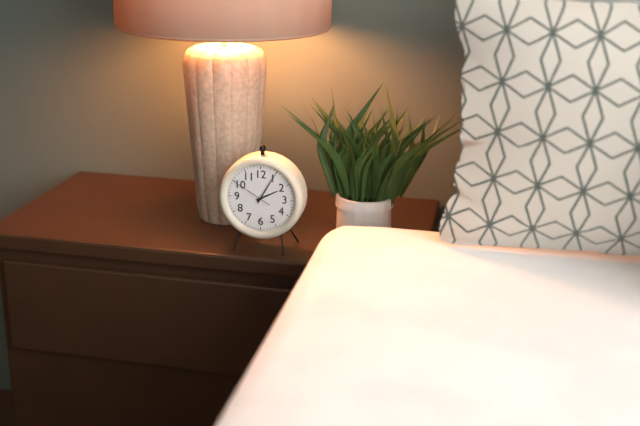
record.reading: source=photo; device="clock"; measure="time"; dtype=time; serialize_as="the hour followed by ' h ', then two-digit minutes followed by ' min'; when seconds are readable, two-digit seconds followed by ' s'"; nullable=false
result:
2 h 05 min
